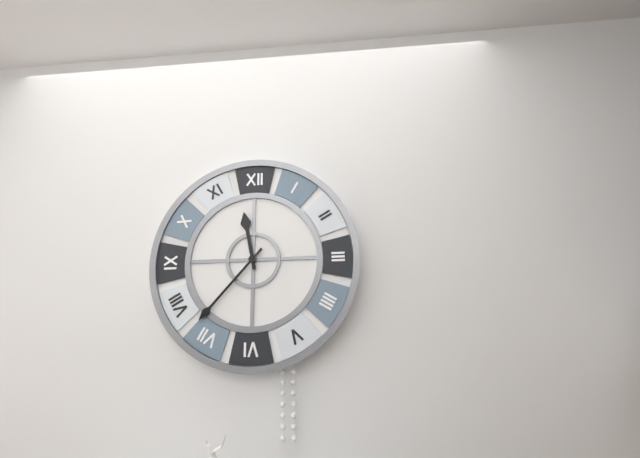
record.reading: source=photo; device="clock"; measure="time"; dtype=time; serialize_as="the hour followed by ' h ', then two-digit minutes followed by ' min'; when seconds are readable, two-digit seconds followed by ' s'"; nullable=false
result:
11 h 37 min
